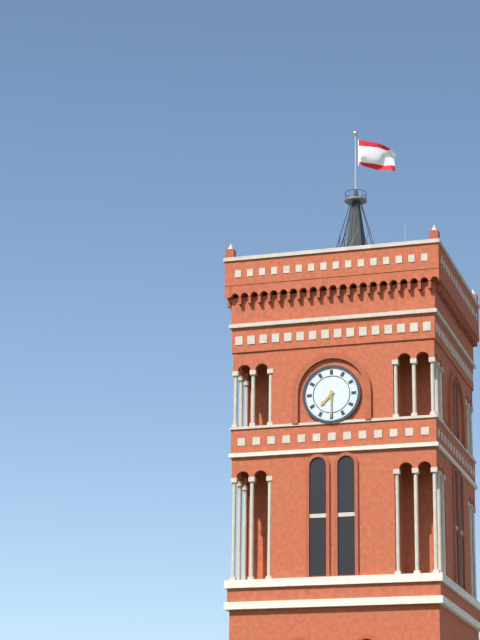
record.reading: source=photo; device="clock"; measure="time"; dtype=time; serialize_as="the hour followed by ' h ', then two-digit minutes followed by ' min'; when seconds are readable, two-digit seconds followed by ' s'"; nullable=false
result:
7 h 30 min
